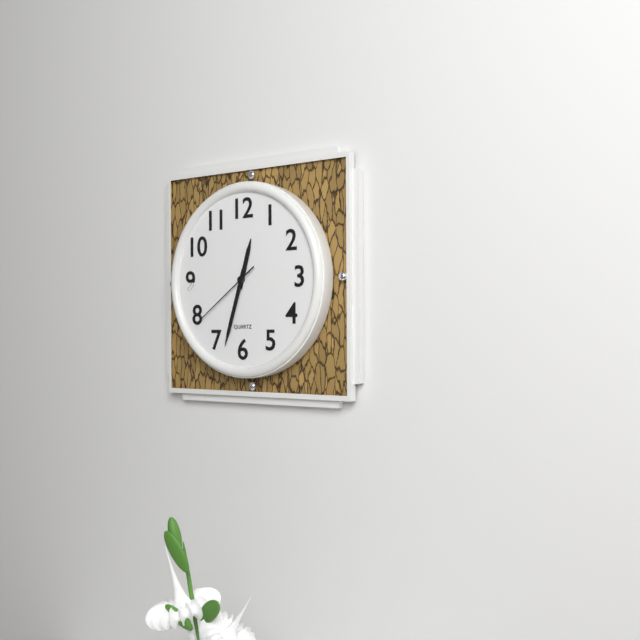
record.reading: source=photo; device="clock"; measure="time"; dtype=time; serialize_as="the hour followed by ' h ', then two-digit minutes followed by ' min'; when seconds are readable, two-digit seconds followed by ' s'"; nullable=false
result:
12 h 33 min 39 s
